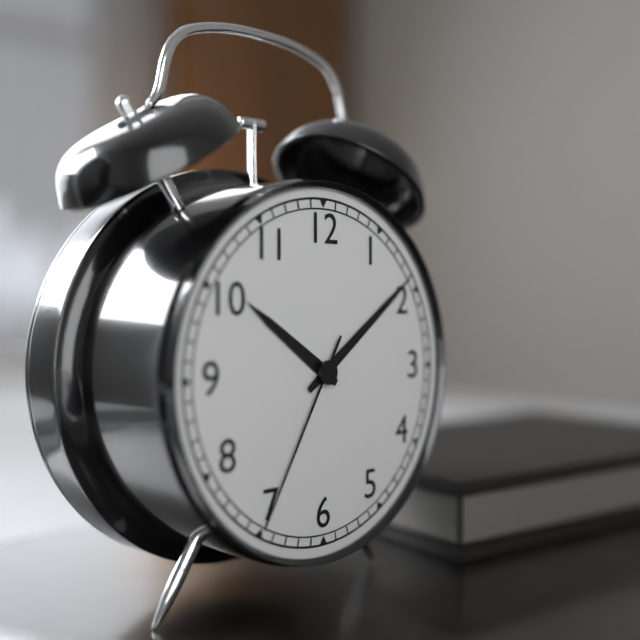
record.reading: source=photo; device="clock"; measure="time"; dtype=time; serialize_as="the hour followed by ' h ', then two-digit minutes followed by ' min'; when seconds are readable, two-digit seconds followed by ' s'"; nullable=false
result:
10 h 09 min 35 s
